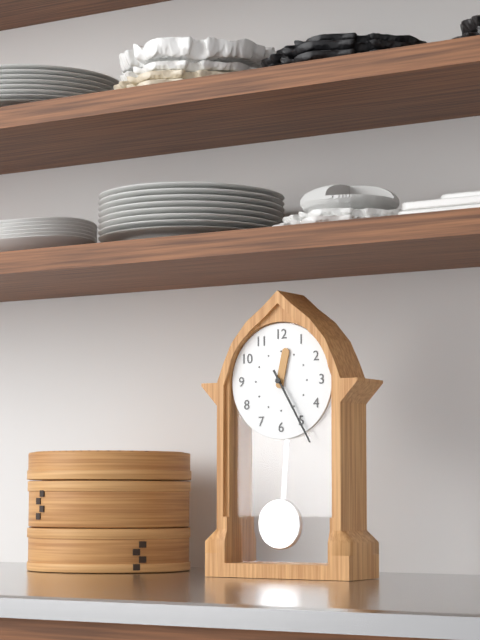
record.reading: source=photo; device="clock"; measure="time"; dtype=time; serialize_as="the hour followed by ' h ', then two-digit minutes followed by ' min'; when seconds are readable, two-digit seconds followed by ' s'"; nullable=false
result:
12 h 25 min
